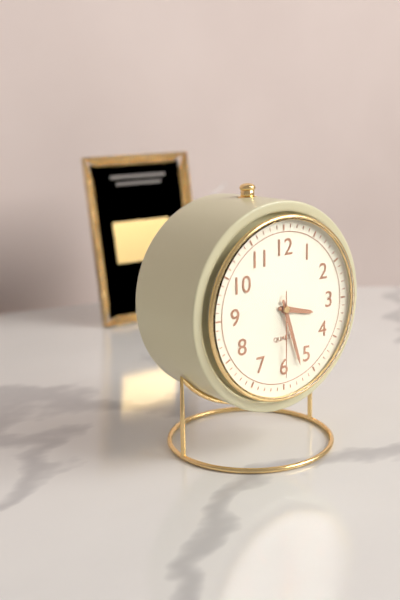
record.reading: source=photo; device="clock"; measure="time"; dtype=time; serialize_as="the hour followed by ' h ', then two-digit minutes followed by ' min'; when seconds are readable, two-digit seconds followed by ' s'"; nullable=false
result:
3 h 27 min 30 s
